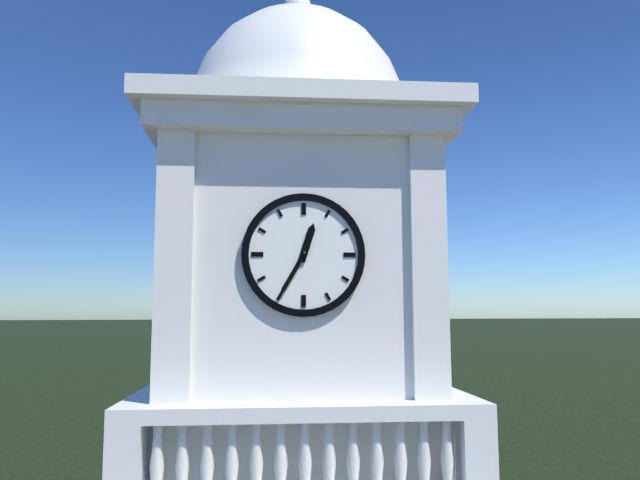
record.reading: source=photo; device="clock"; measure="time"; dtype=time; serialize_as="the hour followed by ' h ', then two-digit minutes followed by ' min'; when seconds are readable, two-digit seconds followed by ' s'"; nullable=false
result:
12 h 35 min
